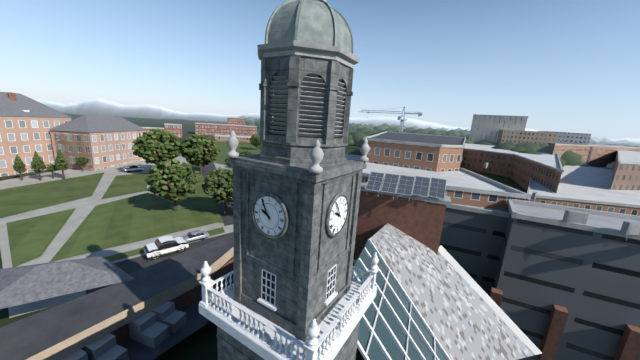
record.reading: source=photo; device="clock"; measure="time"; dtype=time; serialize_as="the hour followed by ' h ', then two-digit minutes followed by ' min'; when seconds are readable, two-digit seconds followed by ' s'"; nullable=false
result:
9 h 55 min
